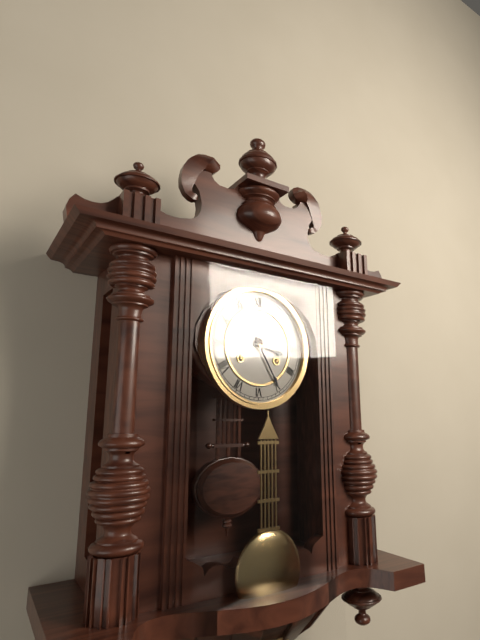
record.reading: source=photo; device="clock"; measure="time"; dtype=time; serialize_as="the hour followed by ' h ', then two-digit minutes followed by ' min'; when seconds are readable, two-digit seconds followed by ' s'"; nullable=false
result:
3 h 25 min
